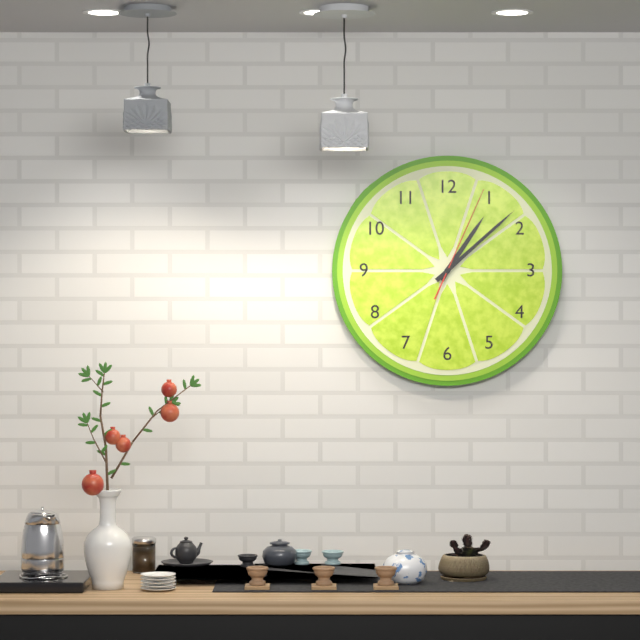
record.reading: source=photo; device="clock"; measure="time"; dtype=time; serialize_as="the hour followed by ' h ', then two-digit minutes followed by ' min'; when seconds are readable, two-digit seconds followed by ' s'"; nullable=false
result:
1 h 08 min 04 s
